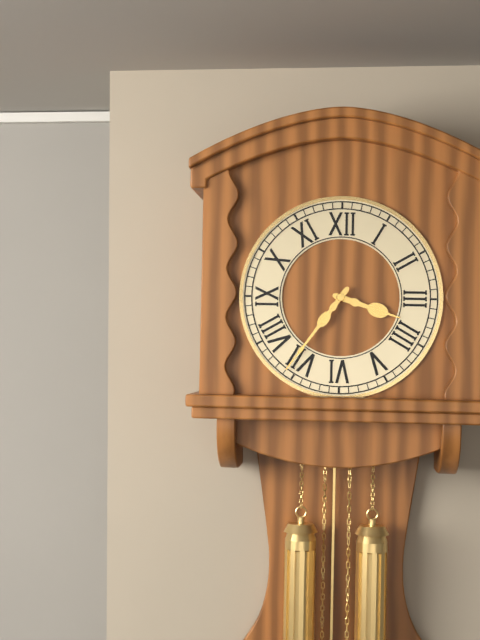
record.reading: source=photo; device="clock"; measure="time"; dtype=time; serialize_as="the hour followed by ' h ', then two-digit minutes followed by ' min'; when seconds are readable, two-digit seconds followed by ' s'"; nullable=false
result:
3 h 36 min
